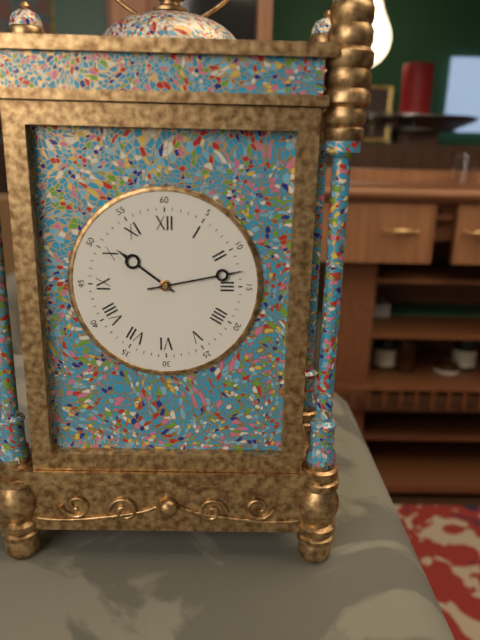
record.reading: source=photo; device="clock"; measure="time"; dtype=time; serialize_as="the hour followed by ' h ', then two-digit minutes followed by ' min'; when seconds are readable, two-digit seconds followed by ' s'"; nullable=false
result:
10 h 13 min
